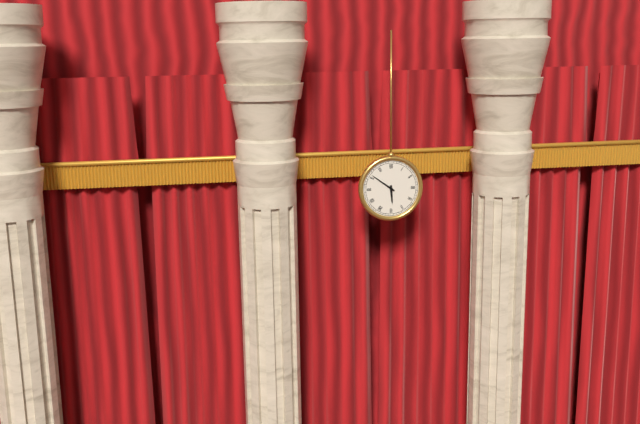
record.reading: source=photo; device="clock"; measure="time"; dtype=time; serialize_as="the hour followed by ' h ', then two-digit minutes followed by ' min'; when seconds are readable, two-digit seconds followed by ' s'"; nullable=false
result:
5 h 51 min
